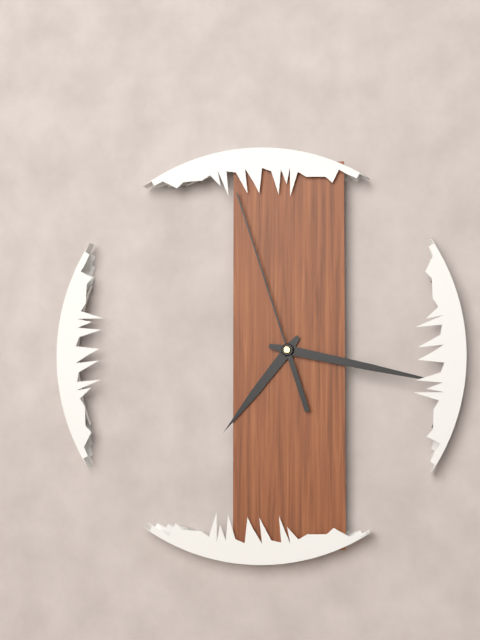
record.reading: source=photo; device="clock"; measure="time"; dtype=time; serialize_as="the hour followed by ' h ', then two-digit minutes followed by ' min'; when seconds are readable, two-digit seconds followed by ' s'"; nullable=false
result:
7 h 17 min 57 s
